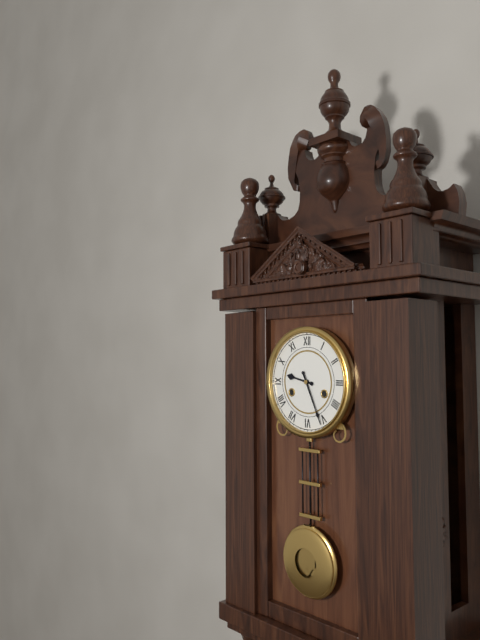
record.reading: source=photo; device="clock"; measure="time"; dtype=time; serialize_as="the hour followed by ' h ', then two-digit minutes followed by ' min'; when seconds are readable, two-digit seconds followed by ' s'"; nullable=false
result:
9 h 26 min
